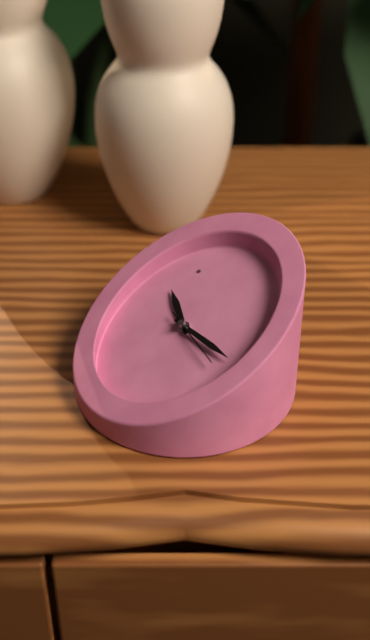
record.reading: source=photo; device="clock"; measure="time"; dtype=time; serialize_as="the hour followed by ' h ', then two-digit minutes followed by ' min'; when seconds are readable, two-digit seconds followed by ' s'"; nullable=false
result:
12 h 28 min 30 s
